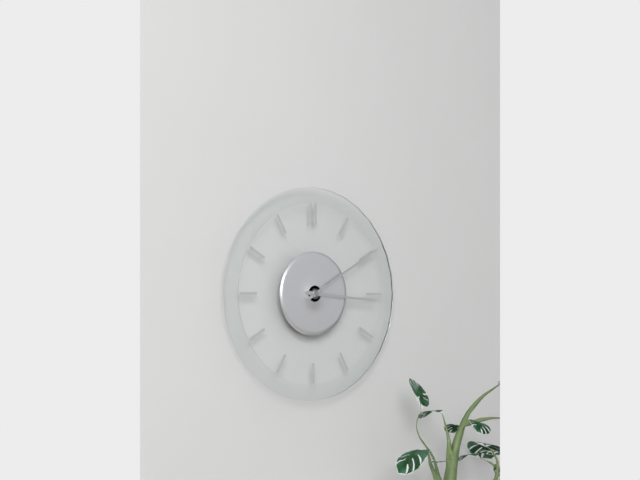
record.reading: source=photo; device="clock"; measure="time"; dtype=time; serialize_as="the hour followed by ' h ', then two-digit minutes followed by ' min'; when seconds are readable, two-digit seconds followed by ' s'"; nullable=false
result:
3 h 10 min
